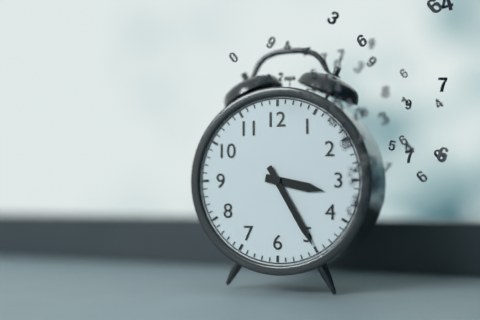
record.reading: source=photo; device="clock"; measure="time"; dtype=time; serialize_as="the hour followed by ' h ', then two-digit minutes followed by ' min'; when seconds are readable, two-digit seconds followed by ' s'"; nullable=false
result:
3 h 25 min
